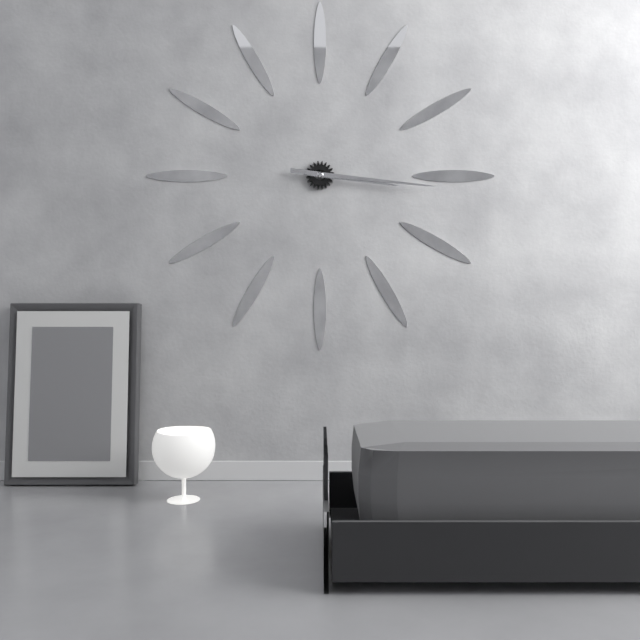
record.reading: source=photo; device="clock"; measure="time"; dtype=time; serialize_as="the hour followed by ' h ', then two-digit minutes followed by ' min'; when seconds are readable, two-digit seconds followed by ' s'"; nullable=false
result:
3 h 16 min
